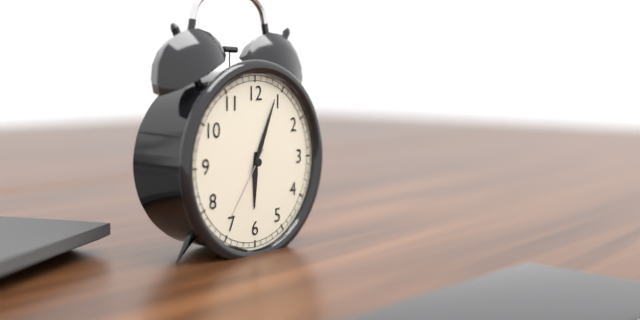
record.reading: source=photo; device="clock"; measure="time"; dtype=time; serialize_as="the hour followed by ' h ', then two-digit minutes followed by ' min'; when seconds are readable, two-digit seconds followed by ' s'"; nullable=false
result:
6 h 04 min 36 s
